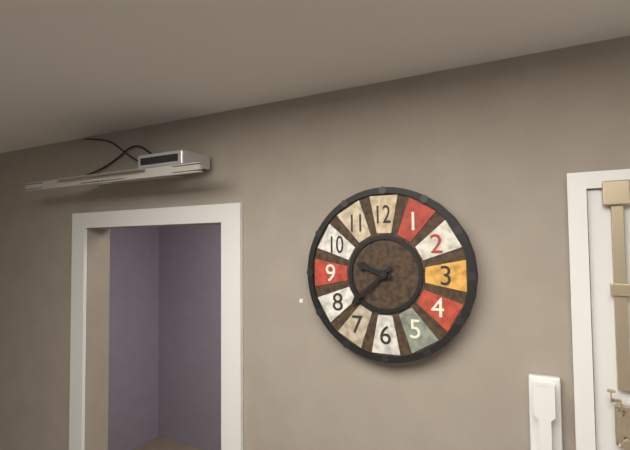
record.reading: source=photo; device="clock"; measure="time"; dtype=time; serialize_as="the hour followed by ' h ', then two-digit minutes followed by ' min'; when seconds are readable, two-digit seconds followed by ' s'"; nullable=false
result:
9 h 38 min
